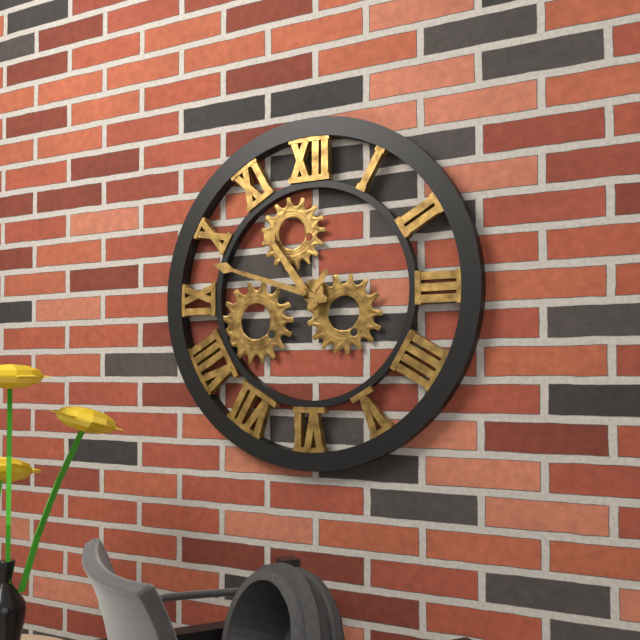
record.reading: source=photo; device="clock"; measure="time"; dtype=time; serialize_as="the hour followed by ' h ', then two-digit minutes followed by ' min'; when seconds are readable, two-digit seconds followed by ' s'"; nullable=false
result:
10 h 48 min
